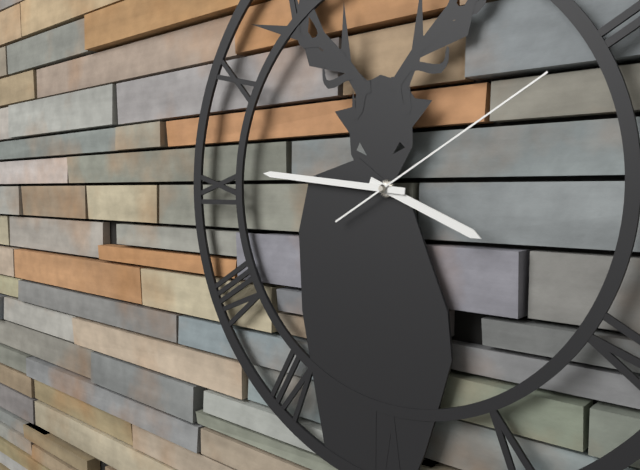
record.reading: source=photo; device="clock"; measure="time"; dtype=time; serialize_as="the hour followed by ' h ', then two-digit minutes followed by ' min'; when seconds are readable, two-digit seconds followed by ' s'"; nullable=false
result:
3 h 46 min 10 s
